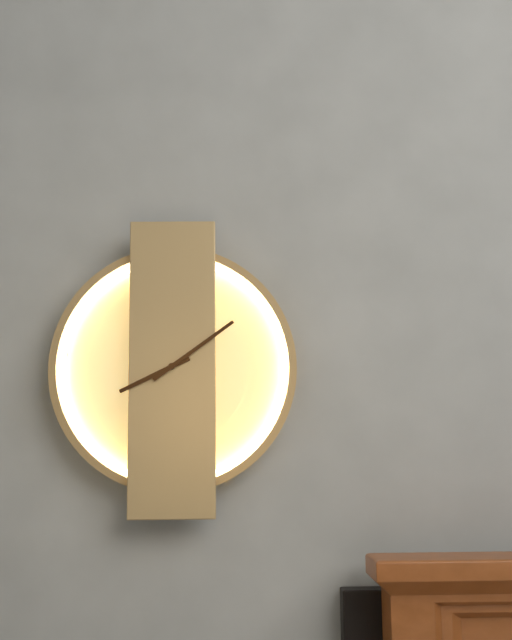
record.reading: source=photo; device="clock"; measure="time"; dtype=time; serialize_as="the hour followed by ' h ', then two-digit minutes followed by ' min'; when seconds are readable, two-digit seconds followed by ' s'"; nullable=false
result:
8 h 09 min
